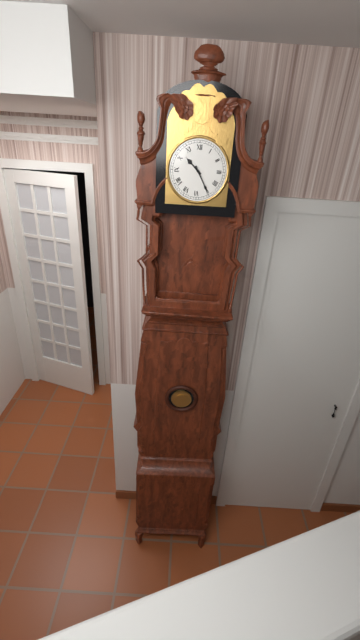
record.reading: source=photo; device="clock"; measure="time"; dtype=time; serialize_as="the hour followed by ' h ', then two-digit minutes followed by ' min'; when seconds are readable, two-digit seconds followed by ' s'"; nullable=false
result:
10 h 25 min
